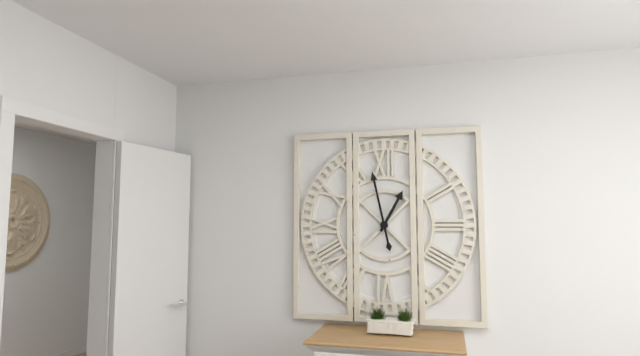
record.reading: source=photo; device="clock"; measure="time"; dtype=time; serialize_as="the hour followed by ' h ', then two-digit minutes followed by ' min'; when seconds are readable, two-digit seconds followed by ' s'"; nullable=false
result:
12 h 58 min
